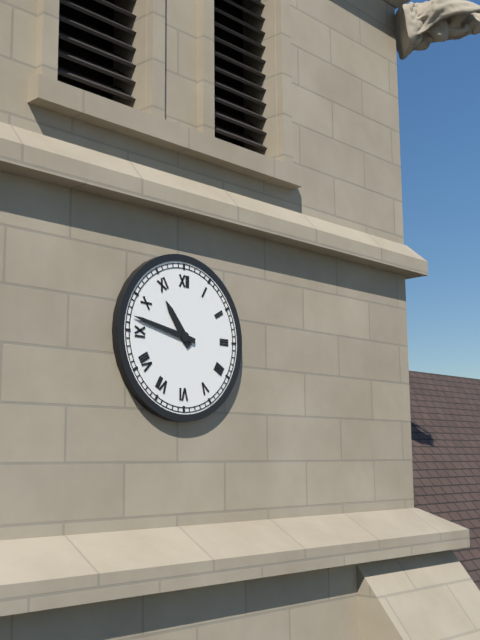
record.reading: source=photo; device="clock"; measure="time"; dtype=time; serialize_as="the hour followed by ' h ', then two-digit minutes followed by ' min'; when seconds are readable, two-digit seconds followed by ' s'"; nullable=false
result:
10 h 47 min
